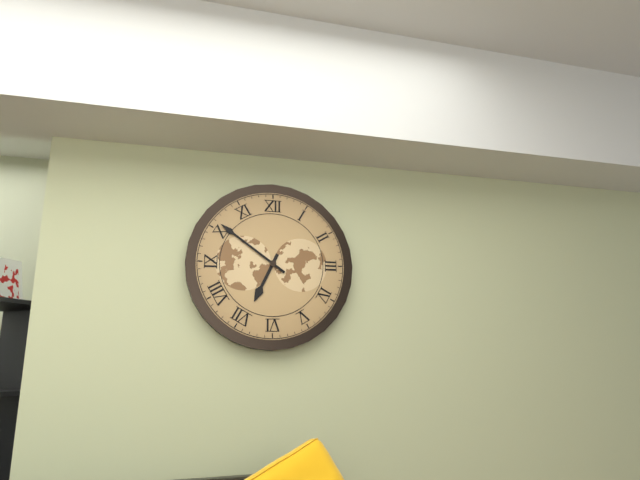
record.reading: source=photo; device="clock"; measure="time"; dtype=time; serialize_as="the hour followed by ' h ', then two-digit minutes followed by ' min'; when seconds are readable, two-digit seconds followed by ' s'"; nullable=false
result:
6 h 51 min
